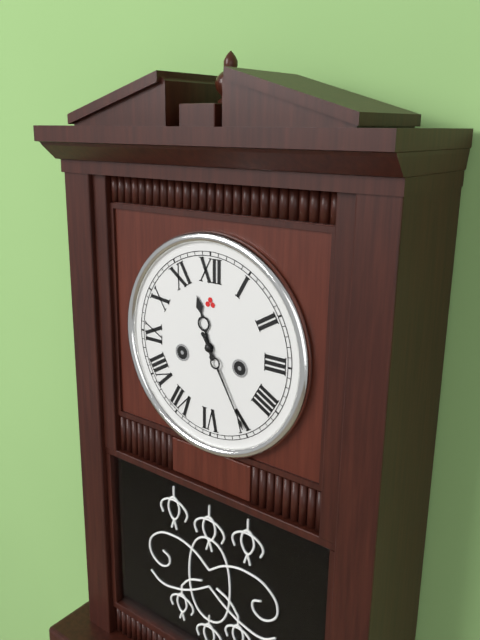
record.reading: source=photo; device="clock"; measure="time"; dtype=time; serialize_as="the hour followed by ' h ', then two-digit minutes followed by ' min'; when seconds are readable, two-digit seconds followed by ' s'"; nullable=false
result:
11 h 25 min
